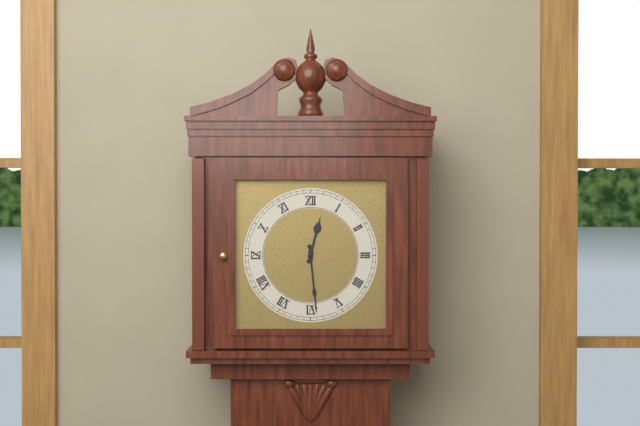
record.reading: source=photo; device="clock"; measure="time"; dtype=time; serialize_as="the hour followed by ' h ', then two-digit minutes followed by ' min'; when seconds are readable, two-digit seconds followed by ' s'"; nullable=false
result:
12 h 29 min
